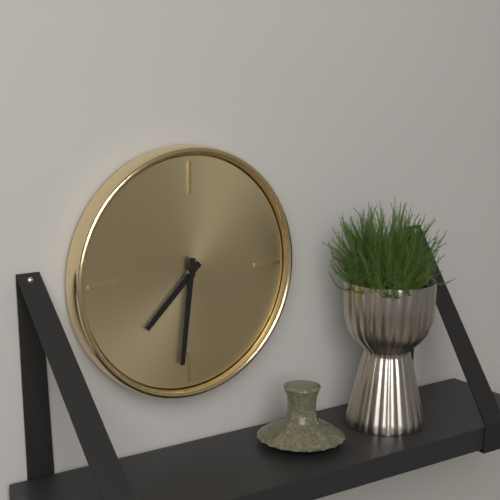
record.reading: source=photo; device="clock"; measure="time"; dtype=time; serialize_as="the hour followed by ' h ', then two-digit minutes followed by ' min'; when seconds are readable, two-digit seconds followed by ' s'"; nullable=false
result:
7 h 31 min
